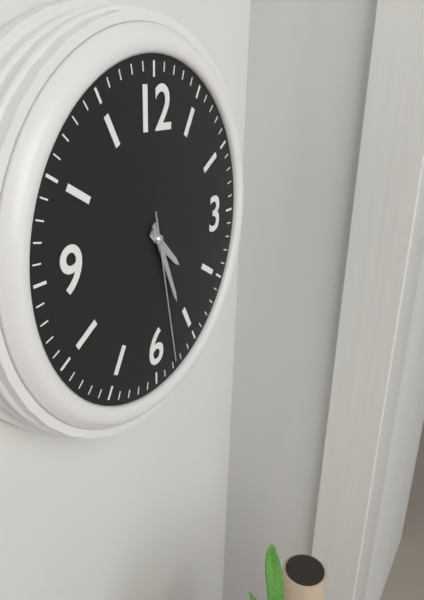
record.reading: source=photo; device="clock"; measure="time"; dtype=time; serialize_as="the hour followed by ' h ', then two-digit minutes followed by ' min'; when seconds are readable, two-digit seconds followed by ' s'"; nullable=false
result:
4 h 26 min 28 s
